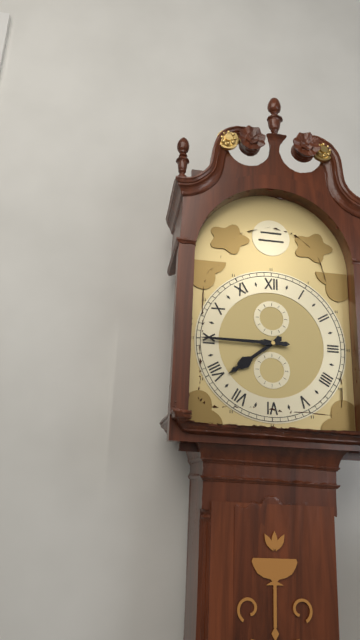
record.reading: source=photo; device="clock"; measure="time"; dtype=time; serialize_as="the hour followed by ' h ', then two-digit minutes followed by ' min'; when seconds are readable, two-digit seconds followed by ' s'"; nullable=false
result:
7 h 45 min
